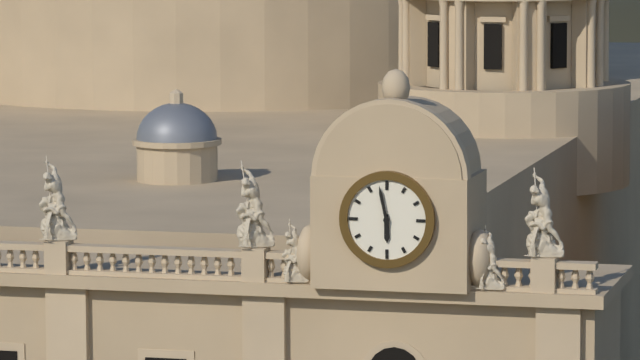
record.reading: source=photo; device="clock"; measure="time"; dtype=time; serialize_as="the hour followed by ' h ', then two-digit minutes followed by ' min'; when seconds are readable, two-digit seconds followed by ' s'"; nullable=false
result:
5 h 58 min
